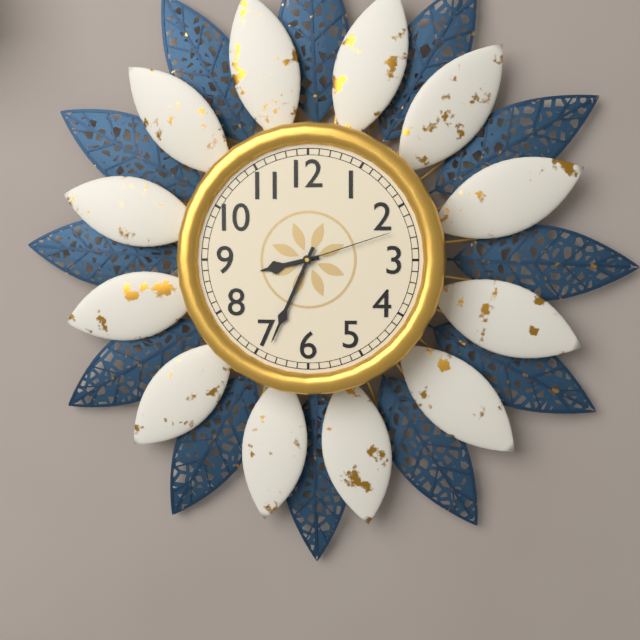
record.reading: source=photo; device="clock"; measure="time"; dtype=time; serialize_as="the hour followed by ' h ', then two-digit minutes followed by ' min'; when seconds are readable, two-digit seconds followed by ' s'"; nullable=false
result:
8 h 34 min 12 s
